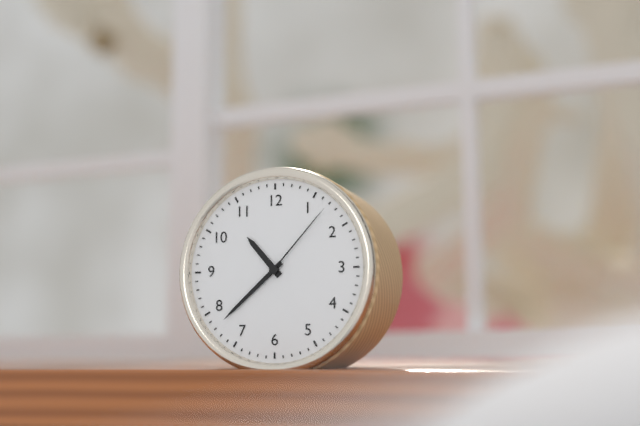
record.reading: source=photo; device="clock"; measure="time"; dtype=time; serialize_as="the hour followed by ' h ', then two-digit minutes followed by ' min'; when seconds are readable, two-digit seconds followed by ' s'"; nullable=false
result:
10 h 38 min 07 s
